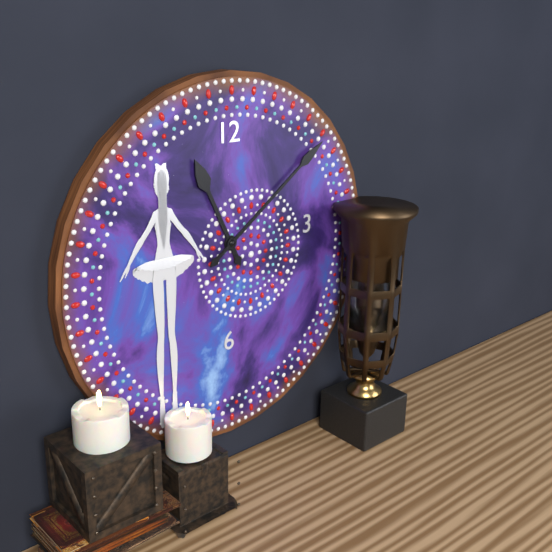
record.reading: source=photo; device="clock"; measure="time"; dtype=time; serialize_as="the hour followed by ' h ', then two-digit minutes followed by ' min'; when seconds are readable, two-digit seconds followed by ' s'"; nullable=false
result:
11 h 09 min
